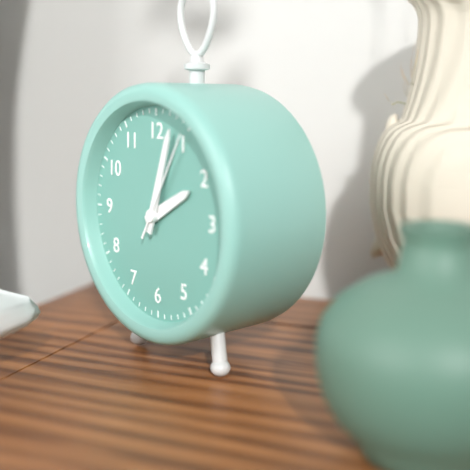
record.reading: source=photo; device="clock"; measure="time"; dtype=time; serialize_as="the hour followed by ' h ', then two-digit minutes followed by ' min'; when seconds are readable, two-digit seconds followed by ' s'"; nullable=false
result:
2 h 03 min 05 s
